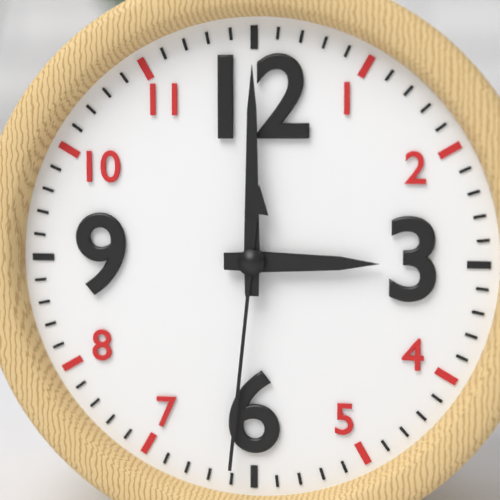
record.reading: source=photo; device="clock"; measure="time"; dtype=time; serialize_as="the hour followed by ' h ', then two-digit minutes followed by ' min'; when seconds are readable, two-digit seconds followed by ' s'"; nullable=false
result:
3 h 00 min 31 s
